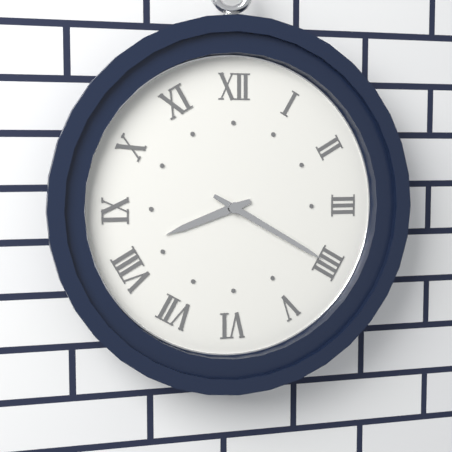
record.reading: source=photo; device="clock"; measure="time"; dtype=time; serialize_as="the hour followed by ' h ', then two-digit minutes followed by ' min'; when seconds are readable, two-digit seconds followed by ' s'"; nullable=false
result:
8 h 20 min
